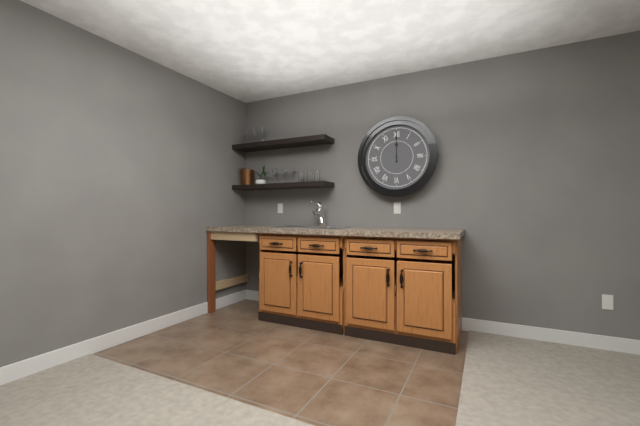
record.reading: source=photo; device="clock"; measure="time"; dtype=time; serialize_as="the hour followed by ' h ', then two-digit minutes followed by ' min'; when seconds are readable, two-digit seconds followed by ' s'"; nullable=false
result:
12 h 00 min
